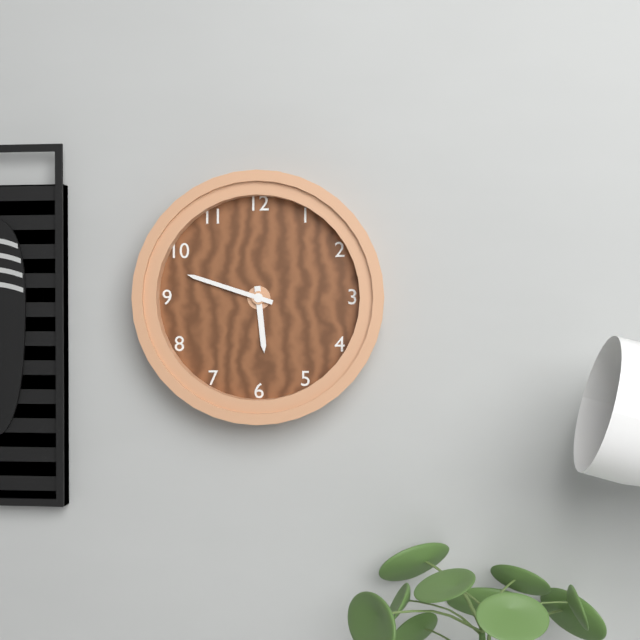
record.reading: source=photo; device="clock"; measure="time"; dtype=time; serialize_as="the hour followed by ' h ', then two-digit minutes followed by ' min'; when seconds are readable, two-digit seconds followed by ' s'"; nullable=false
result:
5 h 48 min
